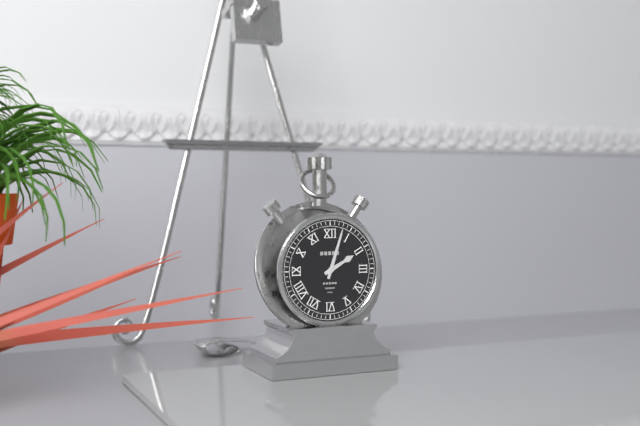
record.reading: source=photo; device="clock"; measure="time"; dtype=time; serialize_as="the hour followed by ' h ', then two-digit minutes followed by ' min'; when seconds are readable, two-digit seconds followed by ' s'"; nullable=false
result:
2 h 03 min
